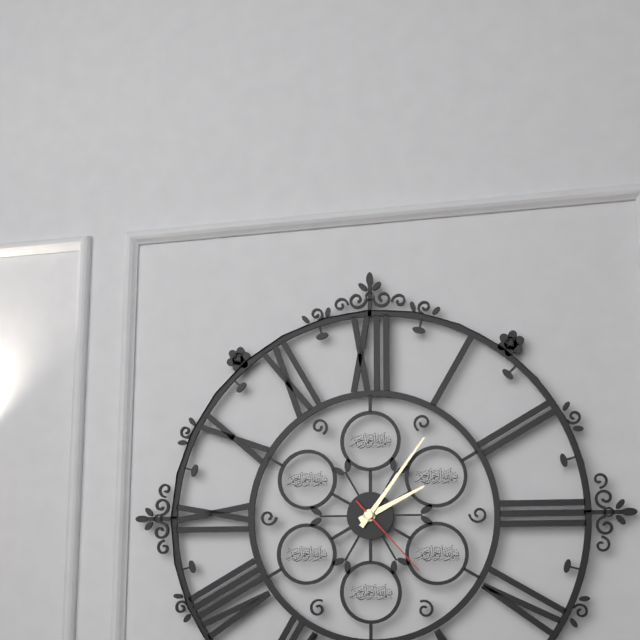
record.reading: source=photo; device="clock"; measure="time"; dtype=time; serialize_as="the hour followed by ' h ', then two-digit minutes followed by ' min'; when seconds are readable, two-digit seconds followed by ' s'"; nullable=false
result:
2 h 06 min 23 s
